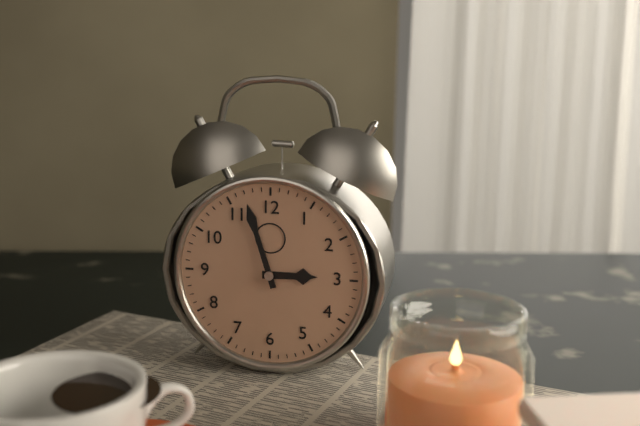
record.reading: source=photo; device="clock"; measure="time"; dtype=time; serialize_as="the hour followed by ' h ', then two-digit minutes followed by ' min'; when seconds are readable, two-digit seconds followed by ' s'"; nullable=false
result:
2 h 57 min
